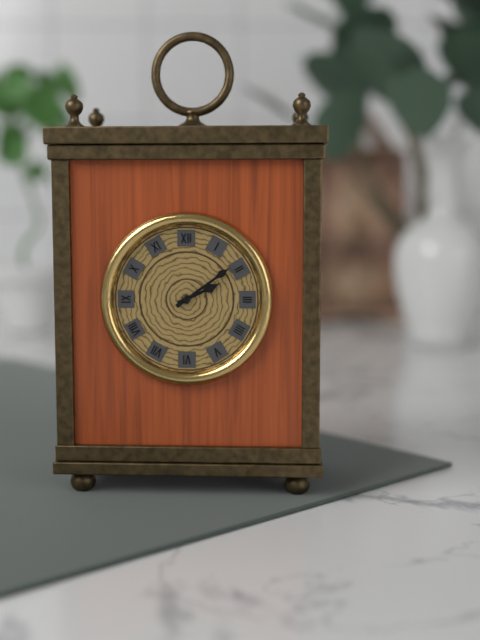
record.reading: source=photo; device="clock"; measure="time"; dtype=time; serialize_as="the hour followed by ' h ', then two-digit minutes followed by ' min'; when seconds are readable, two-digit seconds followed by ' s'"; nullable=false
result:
2 h 09 min
